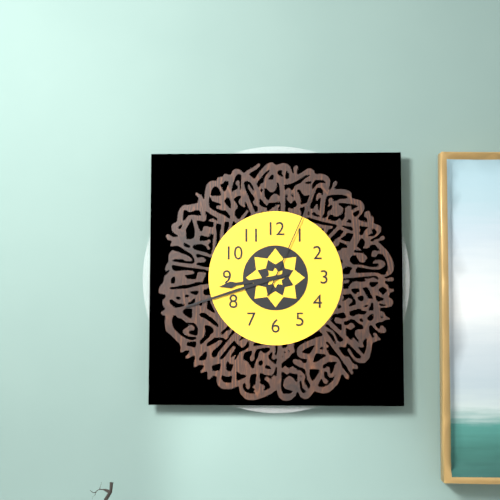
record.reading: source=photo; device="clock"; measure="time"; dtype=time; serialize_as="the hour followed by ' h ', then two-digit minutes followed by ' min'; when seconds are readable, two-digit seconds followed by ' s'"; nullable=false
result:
8 h 42 min 04 s
